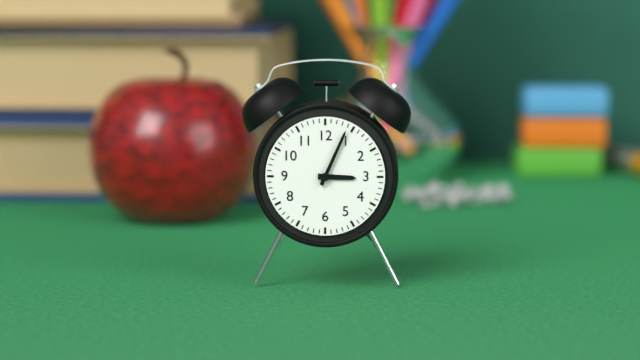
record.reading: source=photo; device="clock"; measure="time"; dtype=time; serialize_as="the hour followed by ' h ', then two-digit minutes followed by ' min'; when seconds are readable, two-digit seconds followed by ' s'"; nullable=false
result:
3 h 04 min
